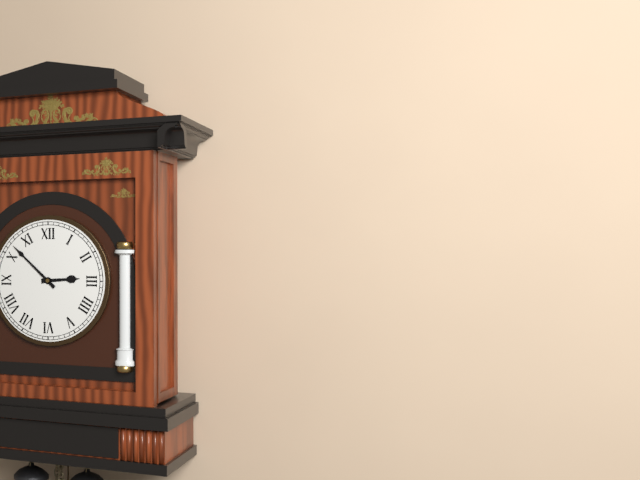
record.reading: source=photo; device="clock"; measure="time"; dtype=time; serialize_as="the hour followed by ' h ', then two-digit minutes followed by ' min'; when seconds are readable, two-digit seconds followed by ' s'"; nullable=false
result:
2 h 52 min
